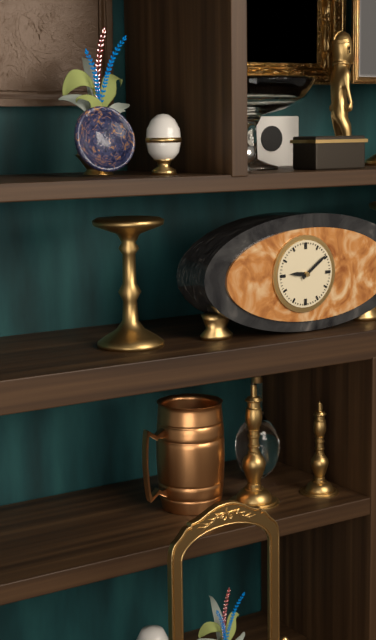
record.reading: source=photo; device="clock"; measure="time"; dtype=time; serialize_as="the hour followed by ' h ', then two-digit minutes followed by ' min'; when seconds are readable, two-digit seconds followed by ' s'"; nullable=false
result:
9 h 09 min
